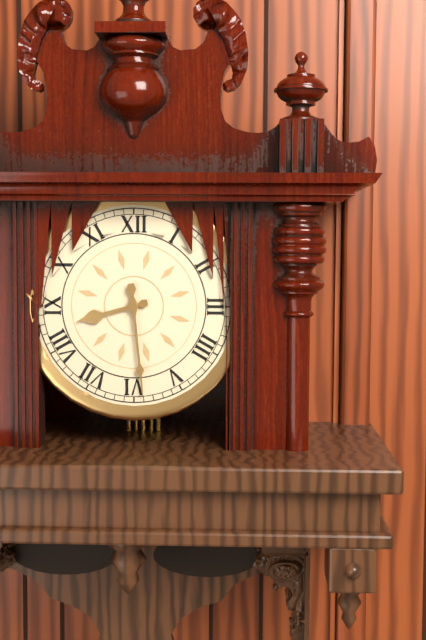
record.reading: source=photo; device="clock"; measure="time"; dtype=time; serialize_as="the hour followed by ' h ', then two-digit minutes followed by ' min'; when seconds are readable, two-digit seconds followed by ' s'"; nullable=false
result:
8 h 29 min
